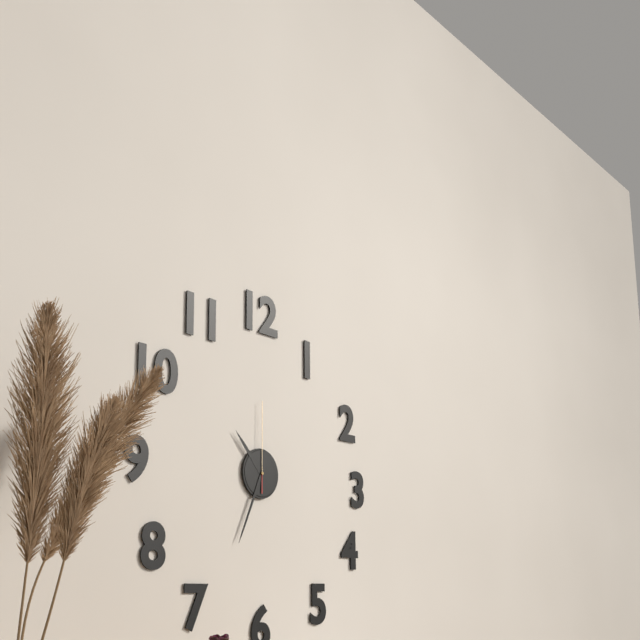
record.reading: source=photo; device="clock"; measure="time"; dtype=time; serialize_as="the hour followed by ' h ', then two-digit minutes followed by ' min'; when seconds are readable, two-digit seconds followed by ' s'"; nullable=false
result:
10 h 34 min 00 s
